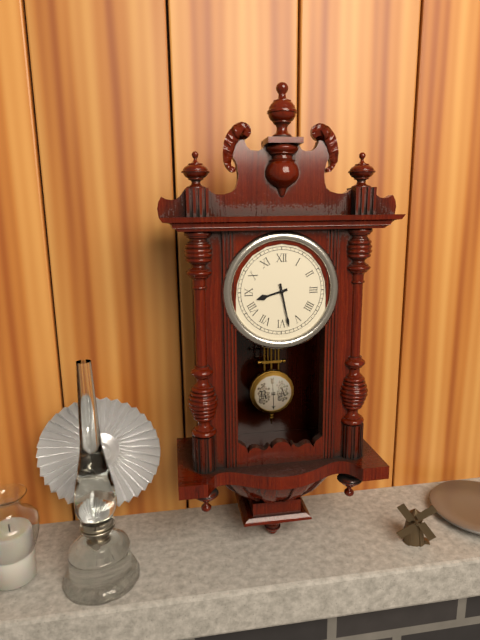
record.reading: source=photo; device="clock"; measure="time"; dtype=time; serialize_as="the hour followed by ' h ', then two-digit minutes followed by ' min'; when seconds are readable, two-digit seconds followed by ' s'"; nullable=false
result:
8 h 28 min
